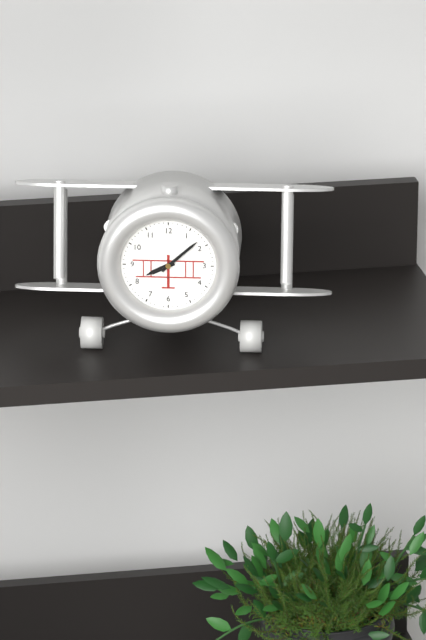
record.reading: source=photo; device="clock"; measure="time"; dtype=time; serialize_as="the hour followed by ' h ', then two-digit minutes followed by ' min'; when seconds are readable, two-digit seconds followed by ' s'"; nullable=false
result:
8 h 08 min
